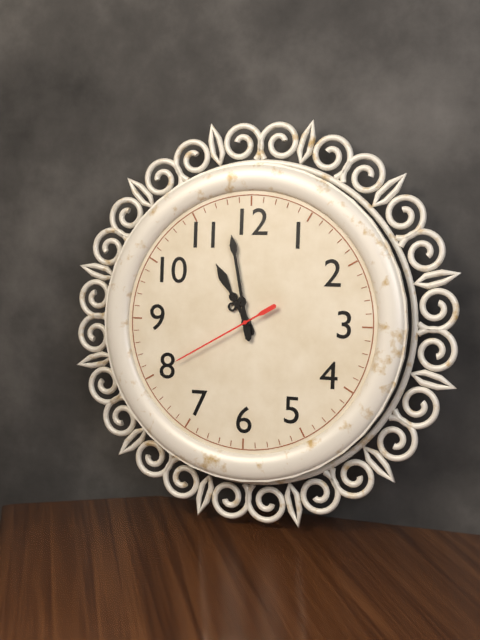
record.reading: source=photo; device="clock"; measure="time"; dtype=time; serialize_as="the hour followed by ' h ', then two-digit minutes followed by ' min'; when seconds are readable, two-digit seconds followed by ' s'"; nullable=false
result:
10 h 58 min 40 s
